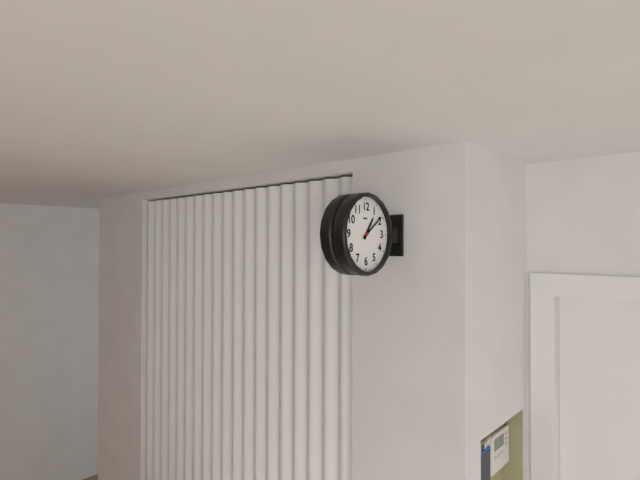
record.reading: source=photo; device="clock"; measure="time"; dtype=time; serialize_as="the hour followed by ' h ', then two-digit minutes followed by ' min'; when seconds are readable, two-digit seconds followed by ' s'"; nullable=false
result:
1 h 09 min
